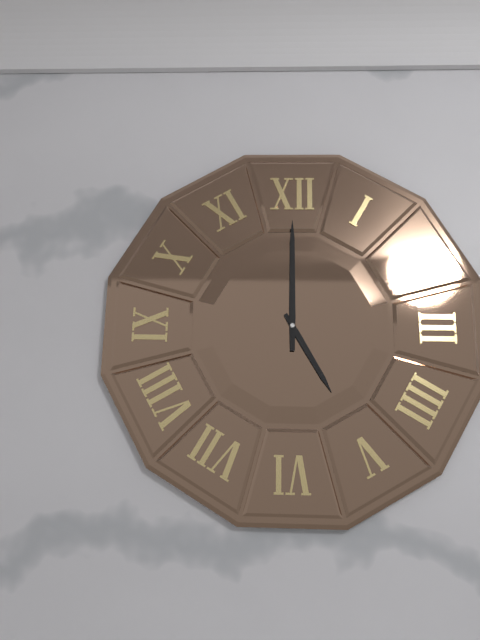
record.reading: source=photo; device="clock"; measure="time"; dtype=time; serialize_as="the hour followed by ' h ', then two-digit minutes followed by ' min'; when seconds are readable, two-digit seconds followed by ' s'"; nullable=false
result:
5 h 00 min
